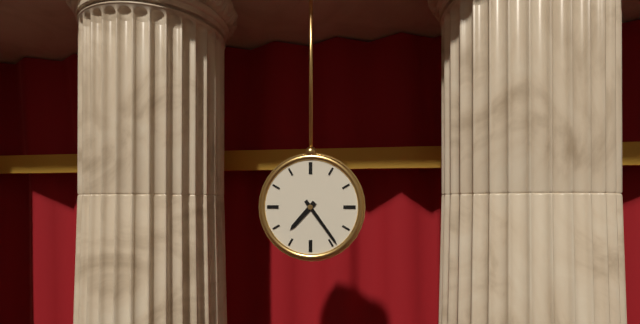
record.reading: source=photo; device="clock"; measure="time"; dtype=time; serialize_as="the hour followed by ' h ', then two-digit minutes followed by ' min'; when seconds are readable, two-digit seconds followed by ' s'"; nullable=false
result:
7 h 24 min
